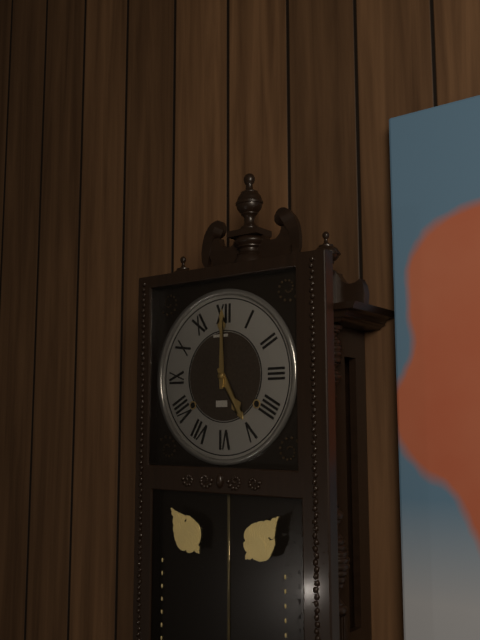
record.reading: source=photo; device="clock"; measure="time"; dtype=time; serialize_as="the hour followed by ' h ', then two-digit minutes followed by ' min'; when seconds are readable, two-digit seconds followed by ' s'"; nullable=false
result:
5 h 00 min
